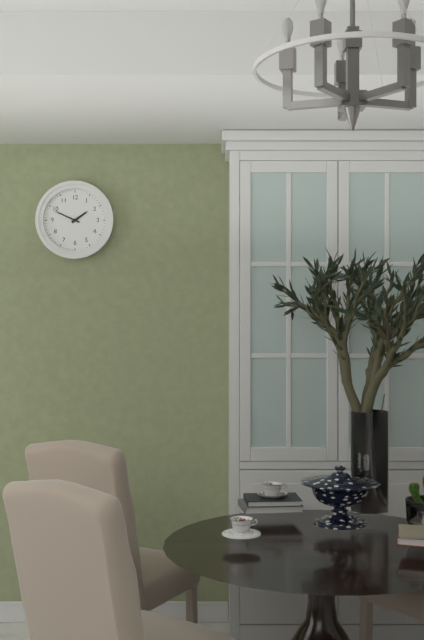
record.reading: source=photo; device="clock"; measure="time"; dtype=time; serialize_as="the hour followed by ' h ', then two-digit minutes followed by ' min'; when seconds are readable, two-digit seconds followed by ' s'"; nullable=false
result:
1 h 49 min
